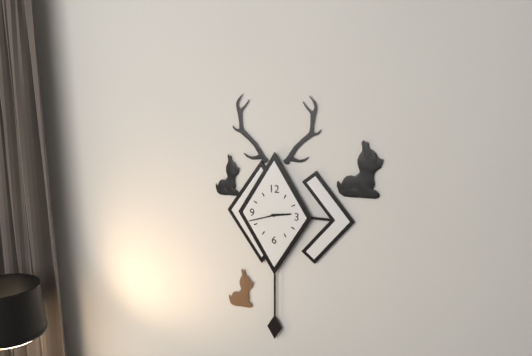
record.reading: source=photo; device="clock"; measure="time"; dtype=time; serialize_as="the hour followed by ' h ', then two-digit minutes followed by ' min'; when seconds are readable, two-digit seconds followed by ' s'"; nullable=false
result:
2 h 42 min
